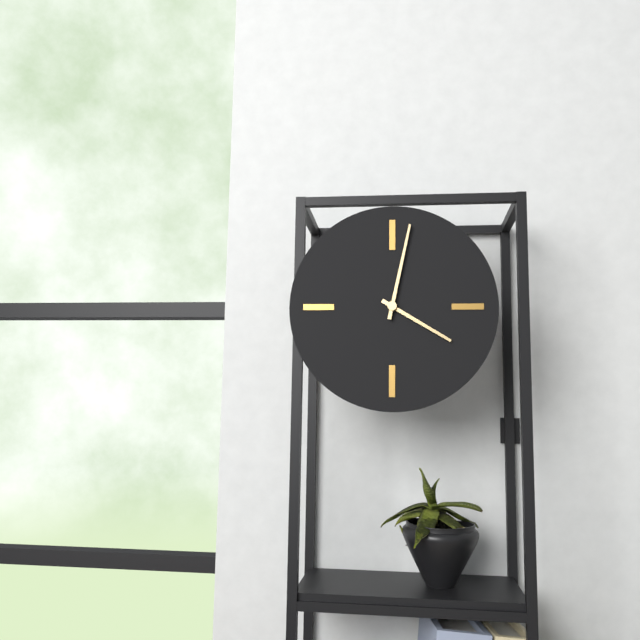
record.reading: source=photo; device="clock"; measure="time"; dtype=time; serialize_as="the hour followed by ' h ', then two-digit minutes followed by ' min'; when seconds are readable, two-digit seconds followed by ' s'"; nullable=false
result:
4 h 02 min
